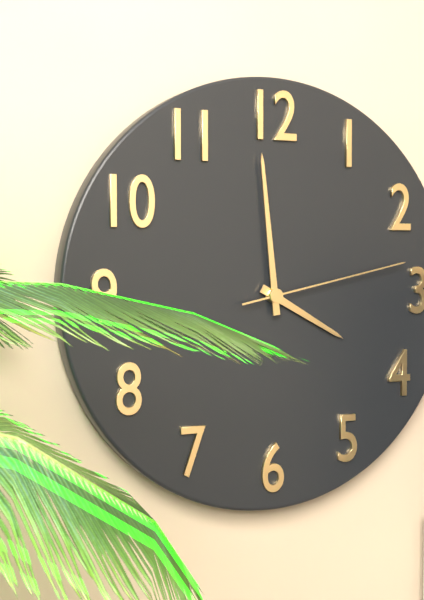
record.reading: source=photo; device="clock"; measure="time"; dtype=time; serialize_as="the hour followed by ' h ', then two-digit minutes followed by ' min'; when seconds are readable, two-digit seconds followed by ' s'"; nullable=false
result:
3 h 59 min 13 s
